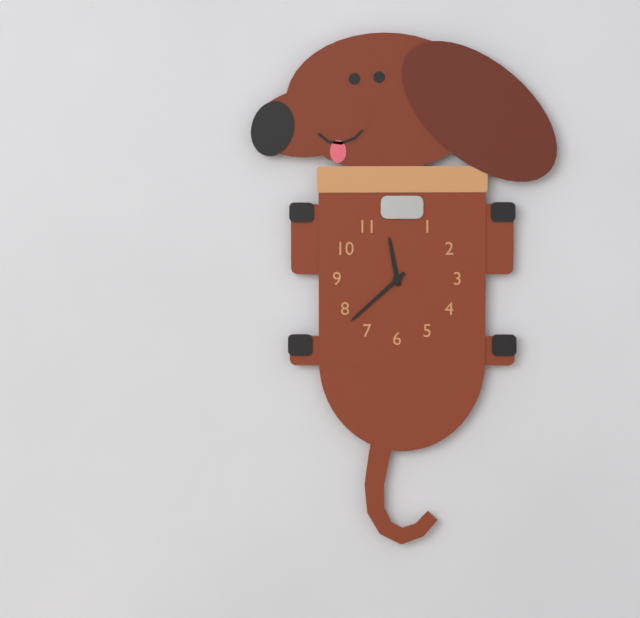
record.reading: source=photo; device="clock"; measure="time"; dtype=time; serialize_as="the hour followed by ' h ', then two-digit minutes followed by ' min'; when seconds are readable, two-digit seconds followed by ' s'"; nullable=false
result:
11 h 38 min
